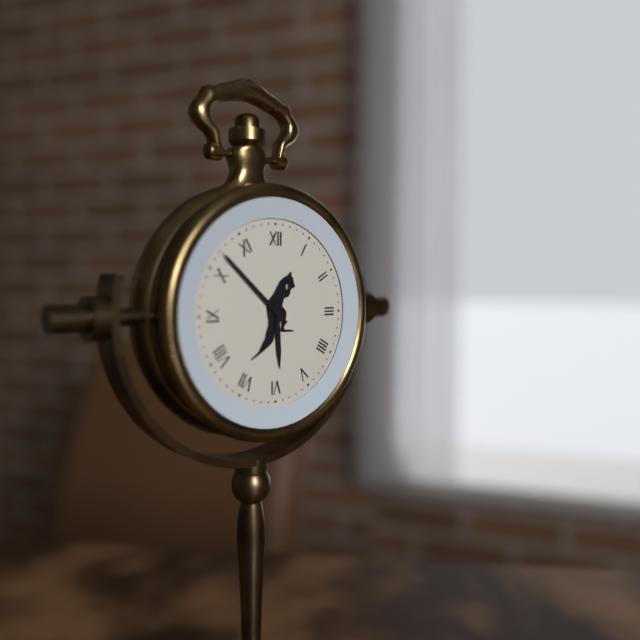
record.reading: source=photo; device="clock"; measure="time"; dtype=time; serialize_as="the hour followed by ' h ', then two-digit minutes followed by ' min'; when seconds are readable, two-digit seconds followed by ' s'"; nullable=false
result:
5 h 52 min
